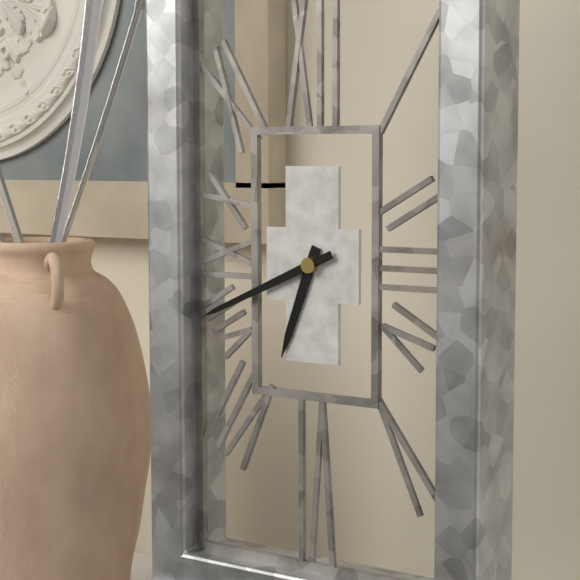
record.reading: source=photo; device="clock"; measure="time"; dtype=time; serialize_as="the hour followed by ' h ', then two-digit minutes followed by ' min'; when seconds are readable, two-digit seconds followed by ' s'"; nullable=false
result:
6 h 41 min
